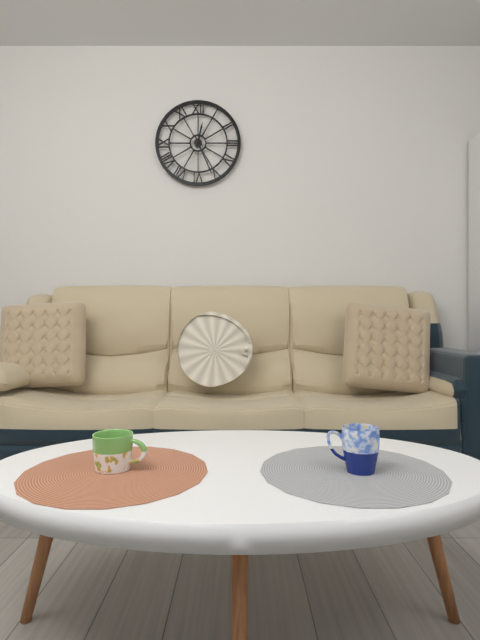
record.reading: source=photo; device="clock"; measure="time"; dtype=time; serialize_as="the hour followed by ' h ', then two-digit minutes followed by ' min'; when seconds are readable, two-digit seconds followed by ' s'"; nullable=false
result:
12 h 26 min
